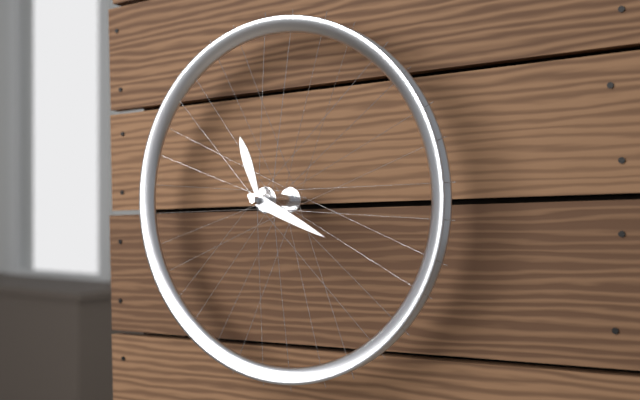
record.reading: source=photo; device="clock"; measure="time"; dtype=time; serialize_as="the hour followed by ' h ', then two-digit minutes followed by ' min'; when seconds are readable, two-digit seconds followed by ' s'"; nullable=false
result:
11 h 19 min
